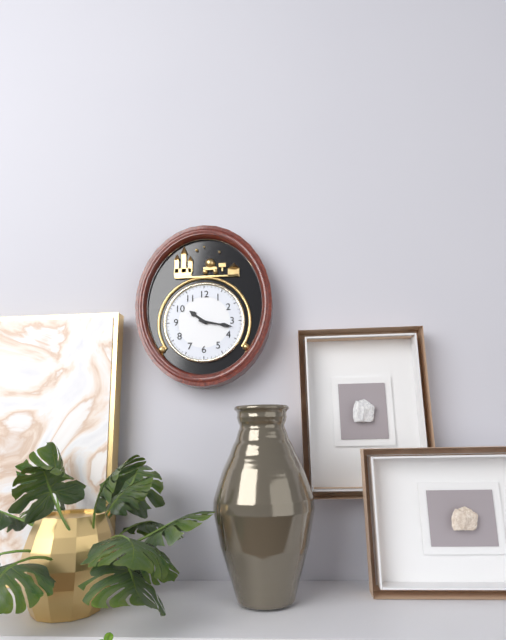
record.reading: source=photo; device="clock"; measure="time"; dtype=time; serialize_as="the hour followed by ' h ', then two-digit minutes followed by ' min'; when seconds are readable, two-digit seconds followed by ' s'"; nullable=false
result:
10 h 17 min
